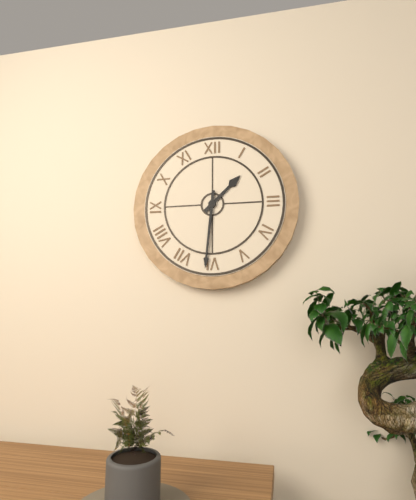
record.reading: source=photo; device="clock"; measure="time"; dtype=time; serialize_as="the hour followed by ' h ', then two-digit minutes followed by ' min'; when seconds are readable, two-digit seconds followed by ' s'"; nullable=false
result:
1 h 31 min
